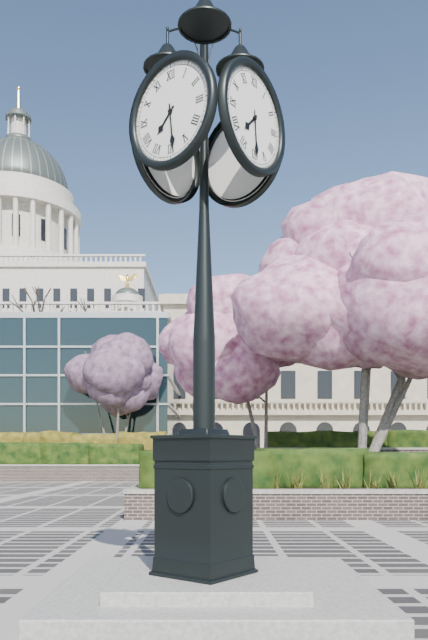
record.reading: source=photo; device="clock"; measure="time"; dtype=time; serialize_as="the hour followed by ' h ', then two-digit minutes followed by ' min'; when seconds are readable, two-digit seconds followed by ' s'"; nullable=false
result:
7 h 29 min
